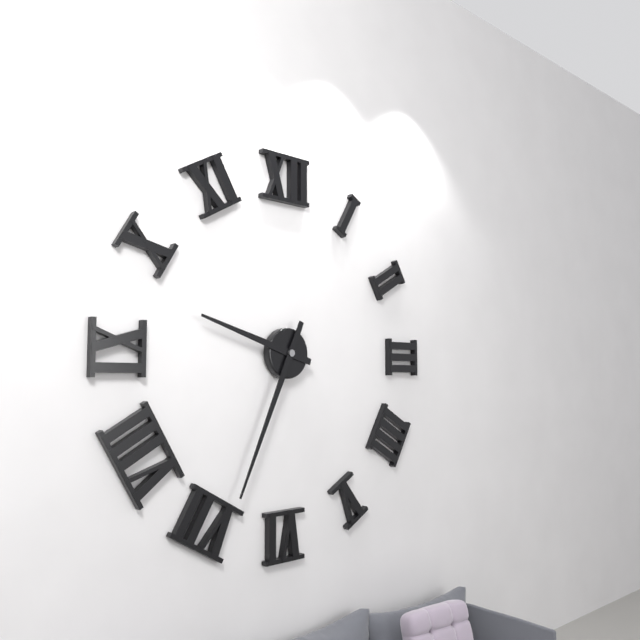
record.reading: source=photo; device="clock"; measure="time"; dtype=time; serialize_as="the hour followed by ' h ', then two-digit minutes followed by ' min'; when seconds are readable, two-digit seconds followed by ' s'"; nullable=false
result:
9 h 34 min
